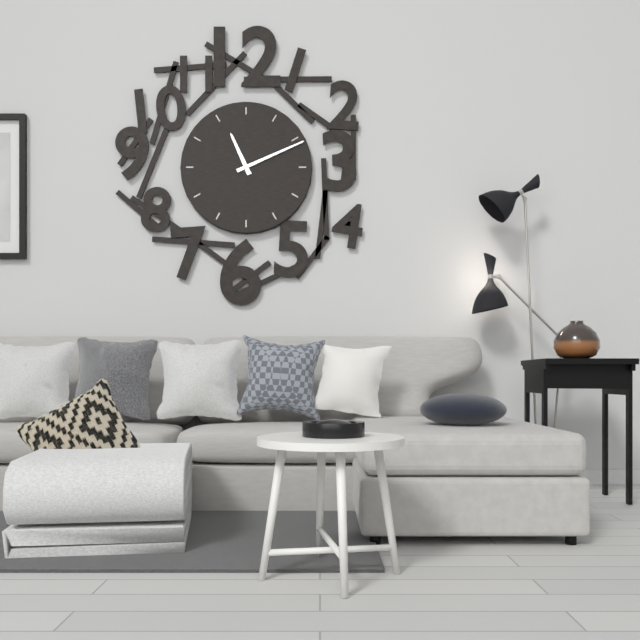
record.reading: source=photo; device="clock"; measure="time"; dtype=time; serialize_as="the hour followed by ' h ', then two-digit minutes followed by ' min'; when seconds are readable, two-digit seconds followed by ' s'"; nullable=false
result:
11 h 11 min
